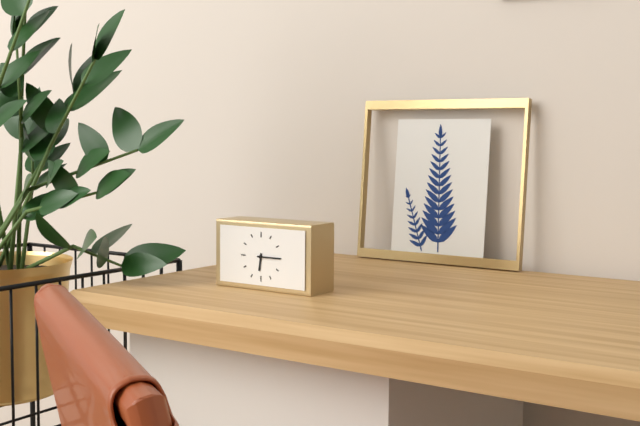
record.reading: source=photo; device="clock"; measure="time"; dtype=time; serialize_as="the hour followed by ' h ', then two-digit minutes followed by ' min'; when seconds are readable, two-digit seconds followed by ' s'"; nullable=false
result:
6 h 15 min
